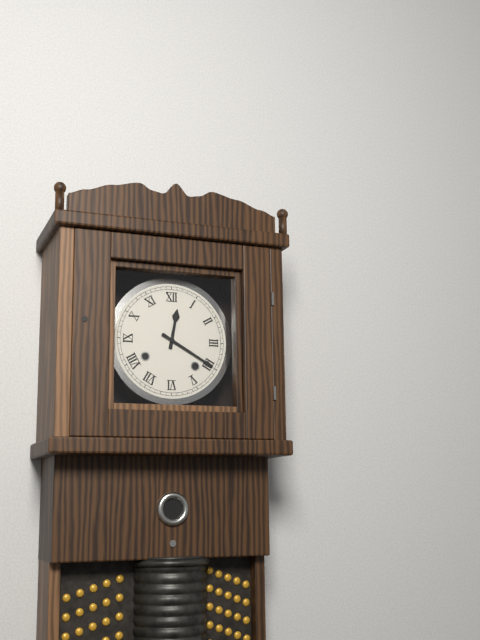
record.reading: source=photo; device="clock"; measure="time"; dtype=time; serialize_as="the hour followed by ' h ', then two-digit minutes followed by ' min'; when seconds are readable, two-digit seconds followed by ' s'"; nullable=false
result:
12 h 20 min
